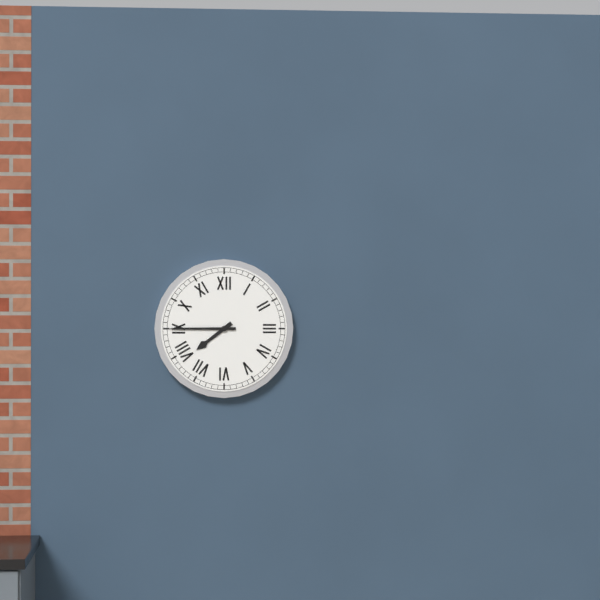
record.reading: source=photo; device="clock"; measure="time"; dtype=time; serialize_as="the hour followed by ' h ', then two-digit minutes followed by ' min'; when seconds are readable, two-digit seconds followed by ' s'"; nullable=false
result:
7 h 45 min
